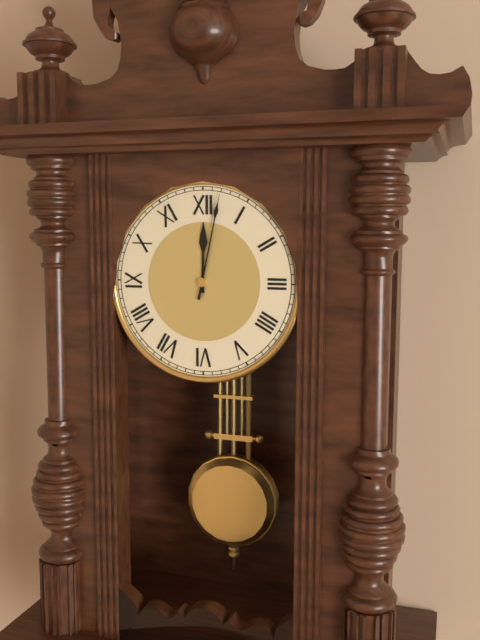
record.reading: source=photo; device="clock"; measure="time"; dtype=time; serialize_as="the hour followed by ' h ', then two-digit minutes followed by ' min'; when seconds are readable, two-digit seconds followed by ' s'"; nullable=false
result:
12 h 02 min
